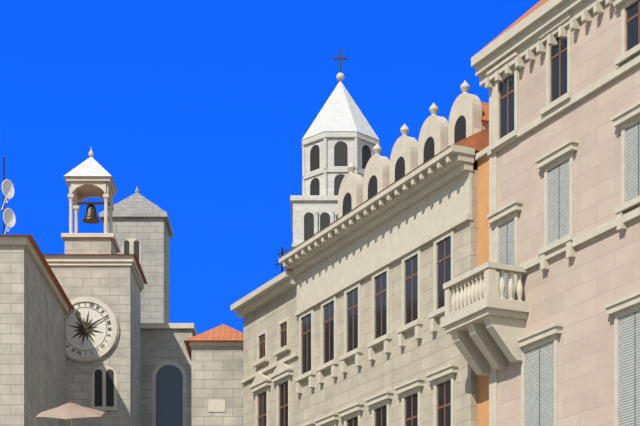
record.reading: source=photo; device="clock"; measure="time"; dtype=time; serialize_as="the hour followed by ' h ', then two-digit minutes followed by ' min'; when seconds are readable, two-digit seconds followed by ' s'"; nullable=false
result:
11 h 10 min
